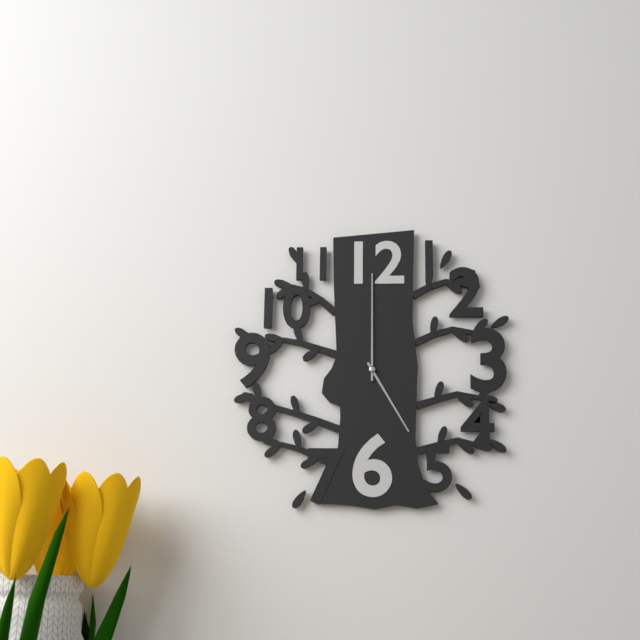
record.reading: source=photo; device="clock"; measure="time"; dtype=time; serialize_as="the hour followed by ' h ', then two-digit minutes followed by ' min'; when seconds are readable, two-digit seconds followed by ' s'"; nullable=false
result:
5 h 00 min
